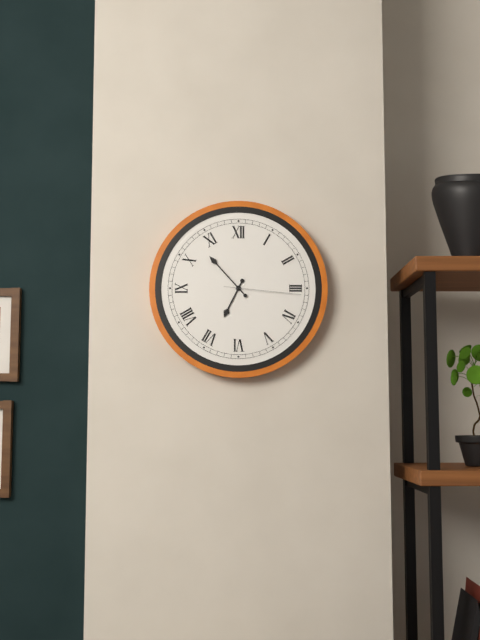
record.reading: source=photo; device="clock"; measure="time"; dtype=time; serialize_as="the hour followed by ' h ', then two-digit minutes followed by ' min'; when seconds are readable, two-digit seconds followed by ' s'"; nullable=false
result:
6 h 53 min 16 s
